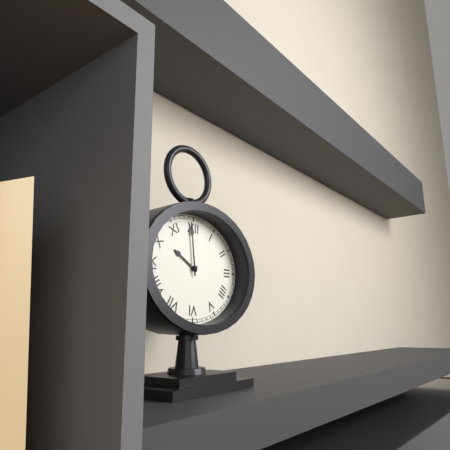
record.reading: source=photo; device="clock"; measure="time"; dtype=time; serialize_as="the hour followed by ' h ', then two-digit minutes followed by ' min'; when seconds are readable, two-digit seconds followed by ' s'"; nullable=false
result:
9 h 59 min
